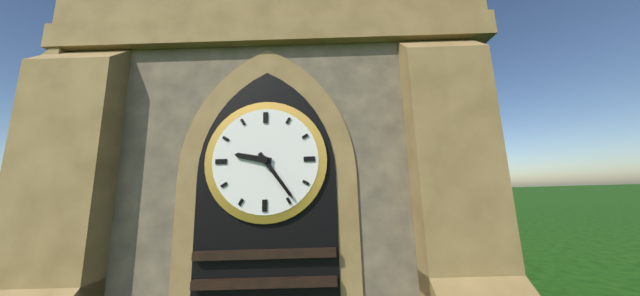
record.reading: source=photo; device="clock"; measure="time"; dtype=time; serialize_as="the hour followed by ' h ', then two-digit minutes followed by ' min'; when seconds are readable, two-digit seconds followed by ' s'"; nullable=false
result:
9 h 24 min
